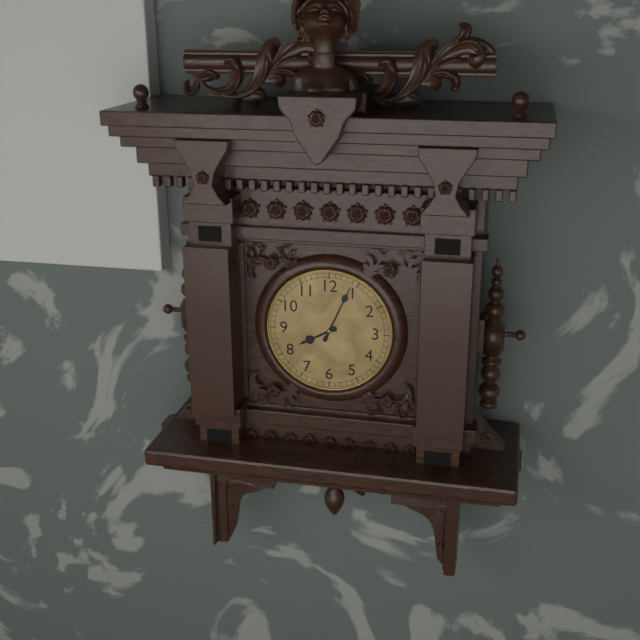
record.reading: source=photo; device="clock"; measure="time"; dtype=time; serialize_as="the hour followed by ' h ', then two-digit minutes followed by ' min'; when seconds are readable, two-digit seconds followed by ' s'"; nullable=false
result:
8 h 04 min
